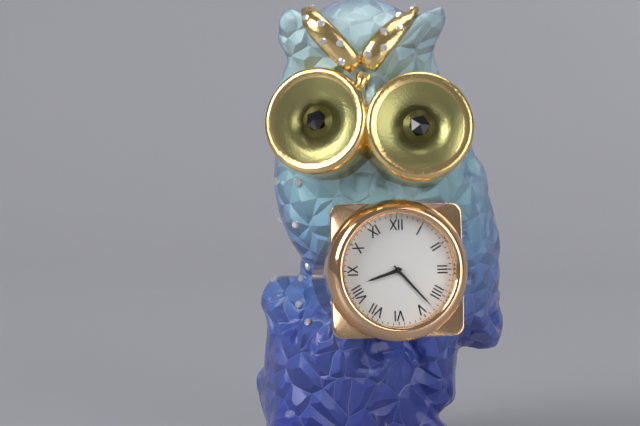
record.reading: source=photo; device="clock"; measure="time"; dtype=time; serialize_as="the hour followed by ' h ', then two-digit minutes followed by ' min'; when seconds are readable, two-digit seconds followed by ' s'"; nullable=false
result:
8 h 23 min
